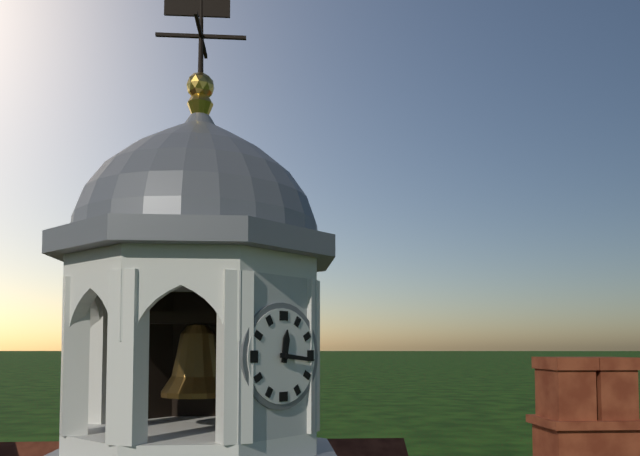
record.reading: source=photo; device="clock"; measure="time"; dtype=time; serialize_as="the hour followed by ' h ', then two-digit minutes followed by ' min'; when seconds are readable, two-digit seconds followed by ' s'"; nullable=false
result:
12 h 16 min
